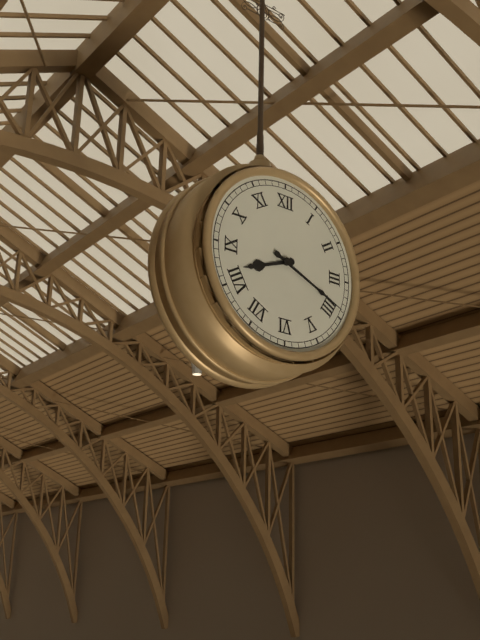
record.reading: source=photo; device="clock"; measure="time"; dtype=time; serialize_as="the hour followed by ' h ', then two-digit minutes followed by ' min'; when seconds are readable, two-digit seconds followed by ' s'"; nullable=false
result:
8 h 19 min
